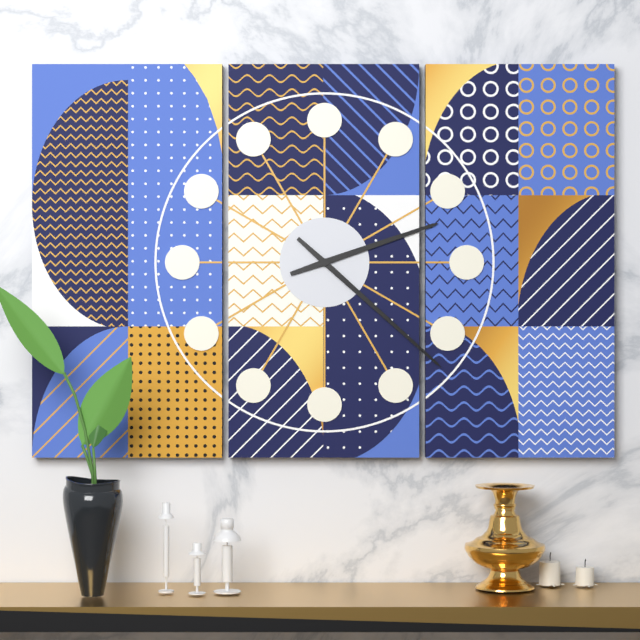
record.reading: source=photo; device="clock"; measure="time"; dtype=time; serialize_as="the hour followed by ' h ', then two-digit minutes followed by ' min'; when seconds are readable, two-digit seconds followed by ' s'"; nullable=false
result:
2 h 22 min
